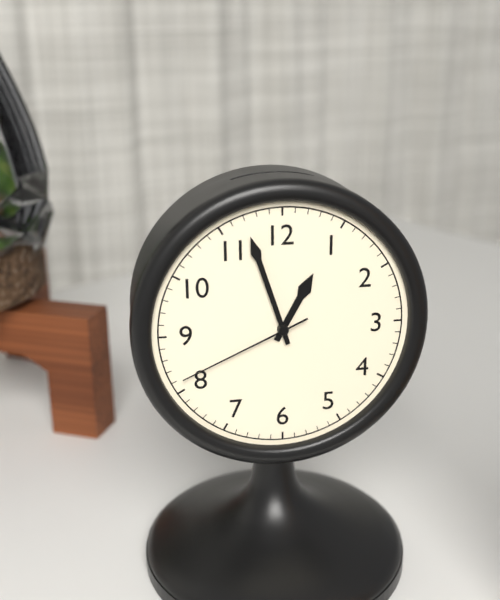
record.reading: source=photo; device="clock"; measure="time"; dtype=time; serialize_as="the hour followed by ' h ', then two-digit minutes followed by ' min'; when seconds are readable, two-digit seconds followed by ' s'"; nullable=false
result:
12 h 57 min 41 s
